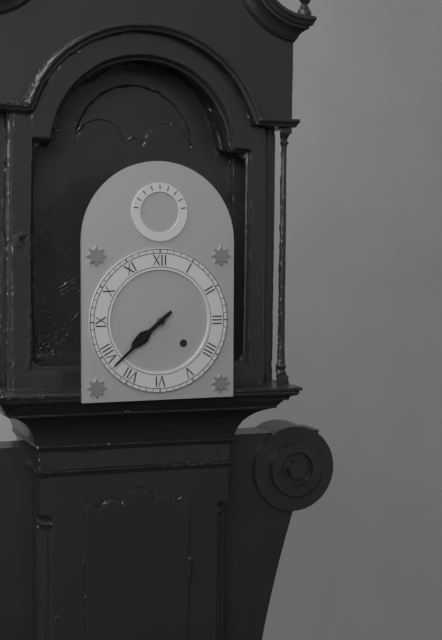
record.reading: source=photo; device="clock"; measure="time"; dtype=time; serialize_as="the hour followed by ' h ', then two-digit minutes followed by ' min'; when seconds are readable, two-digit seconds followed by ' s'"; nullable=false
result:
7 h 38 min
